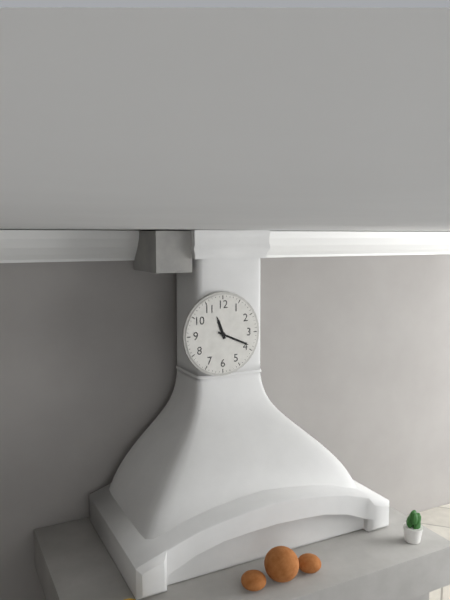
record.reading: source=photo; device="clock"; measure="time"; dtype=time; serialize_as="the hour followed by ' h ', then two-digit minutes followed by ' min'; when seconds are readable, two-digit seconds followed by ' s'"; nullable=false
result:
11 h 19 min
